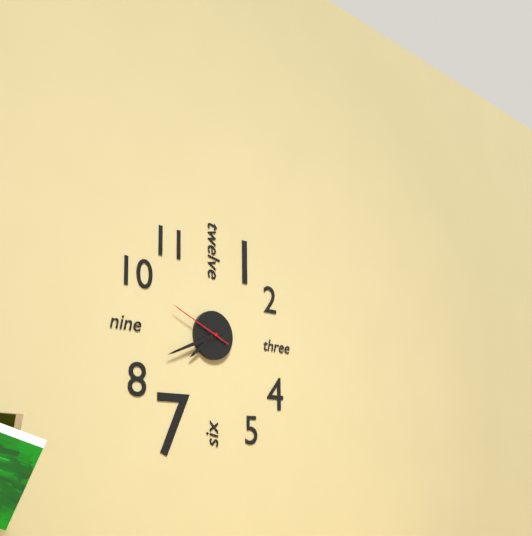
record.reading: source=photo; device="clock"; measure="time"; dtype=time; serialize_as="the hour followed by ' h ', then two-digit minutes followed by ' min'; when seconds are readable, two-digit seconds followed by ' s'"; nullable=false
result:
7 h 41 min 49 s
